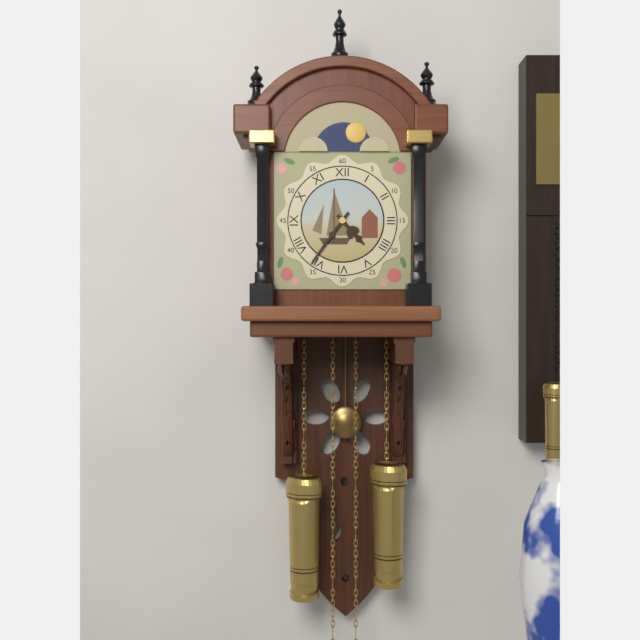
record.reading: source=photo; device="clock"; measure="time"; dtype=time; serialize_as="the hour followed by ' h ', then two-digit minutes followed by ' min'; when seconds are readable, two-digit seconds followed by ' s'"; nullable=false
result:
4 h 36 min
